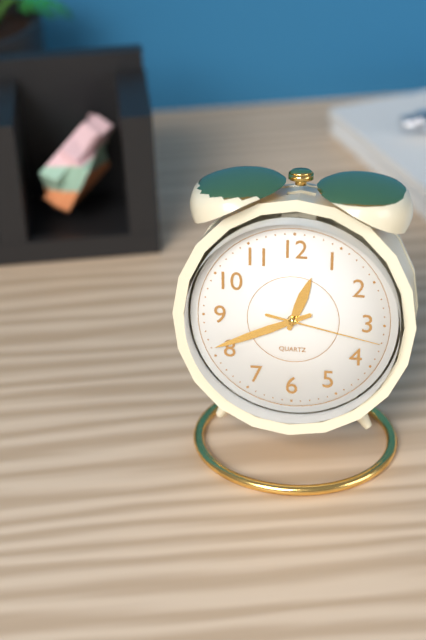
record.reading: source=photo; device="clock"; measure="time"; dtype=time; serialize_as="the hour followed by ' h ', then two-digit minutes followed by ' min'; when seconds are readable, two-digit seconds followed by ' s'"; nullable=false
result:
12 h 41 min 17 s
